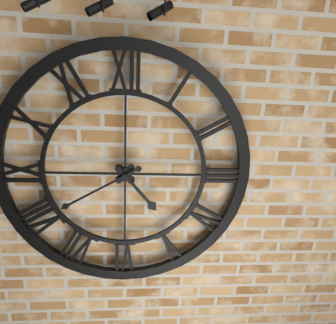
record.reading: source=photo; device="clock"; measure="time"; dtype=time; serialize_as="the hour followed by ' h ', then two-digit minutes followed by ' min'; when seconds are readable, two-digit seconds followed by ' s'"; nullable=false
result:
4 h 40 min
